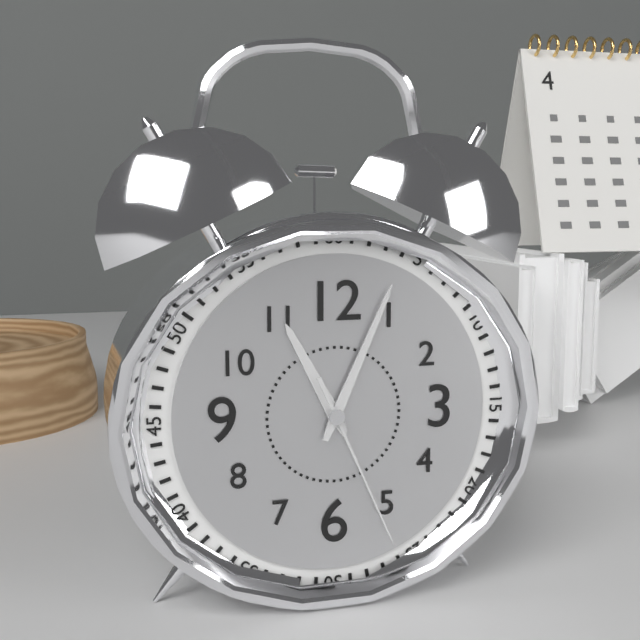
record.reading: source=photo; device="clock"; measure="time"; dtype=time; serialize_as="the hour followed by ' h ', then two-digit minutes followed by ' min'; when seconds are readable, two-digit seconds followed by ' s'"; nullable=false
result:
11 h 04 min 26 s
